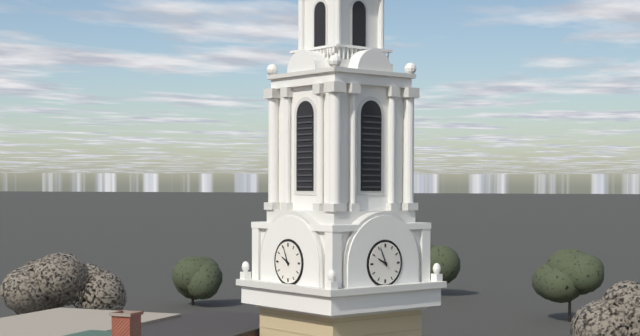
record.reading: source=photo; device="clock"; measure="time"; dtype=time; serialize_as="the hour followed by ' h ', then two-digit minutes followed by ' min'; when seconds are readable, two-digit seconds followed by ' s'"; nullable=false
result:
9 h 56 min
